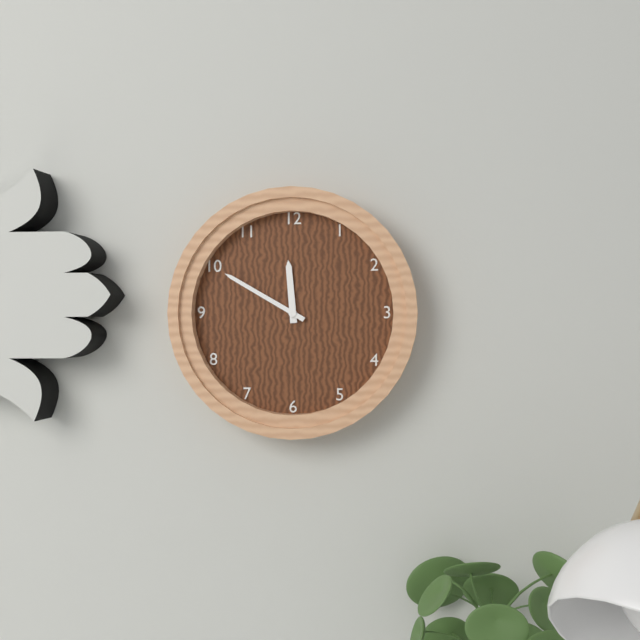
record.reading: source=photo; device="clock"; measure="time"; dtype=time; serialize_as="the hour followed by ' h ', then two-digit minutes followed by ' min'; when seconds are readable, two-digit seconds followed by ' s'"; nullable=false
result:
11 h 50 min
